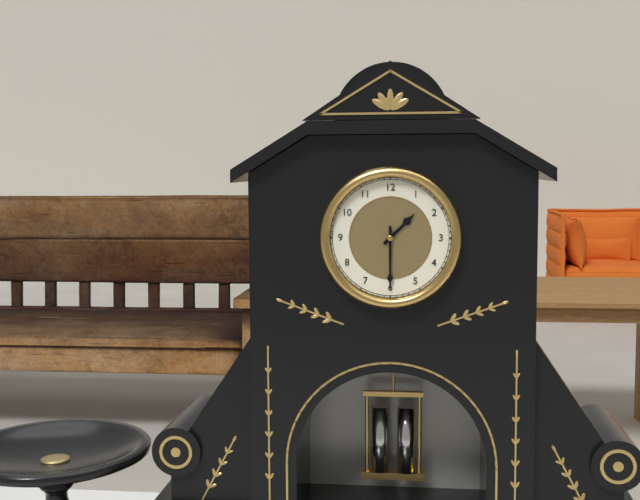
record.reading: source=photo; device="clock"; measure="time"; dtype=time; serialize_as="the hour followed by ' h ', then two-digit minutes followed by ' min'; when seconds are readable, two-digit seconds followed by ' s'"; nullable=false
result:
1 h 30 min
